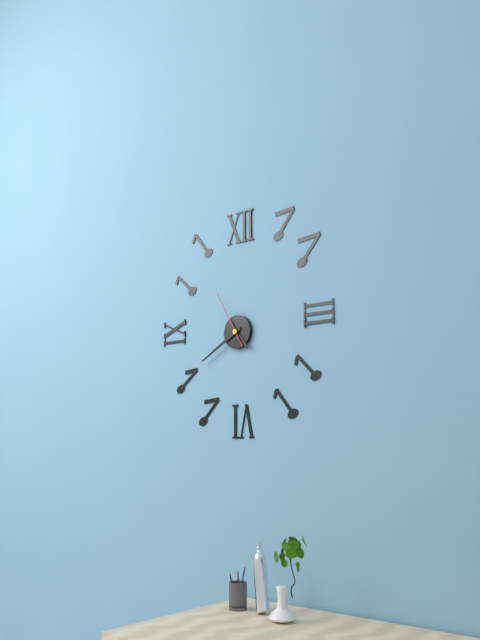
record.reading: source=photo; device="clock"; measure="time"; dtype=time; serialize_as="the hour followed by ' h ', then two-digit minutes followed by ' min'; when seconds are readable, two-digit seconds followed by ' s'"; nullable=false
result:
4 h 40 min 55 s
